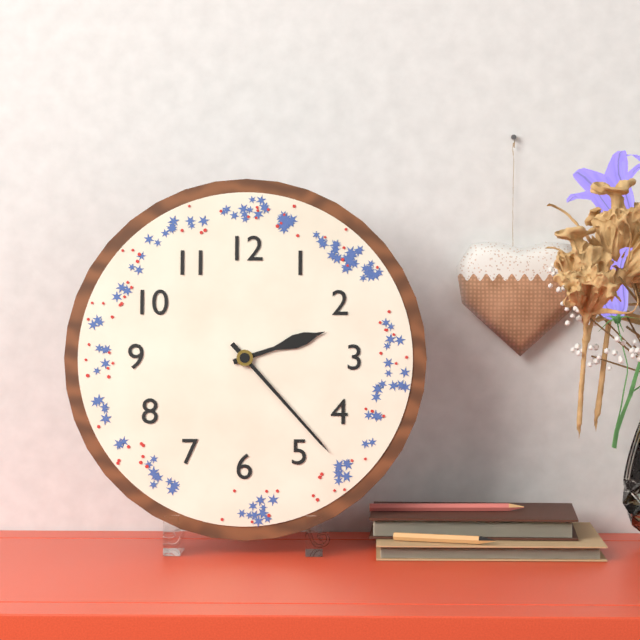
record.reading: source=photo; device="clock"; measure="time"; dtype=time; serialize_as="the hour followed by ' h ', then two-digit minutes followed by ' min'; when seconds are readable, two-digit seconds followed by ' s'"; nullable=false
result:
2 h 23 min
